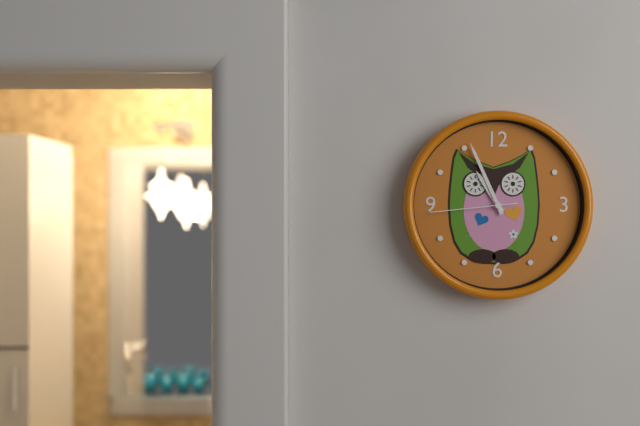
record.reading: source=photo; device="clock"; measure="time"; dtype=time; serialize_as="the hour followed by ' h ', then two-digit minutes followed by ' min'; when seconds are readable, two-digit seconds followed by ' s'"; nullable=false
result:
10 h 56 min 44 s
